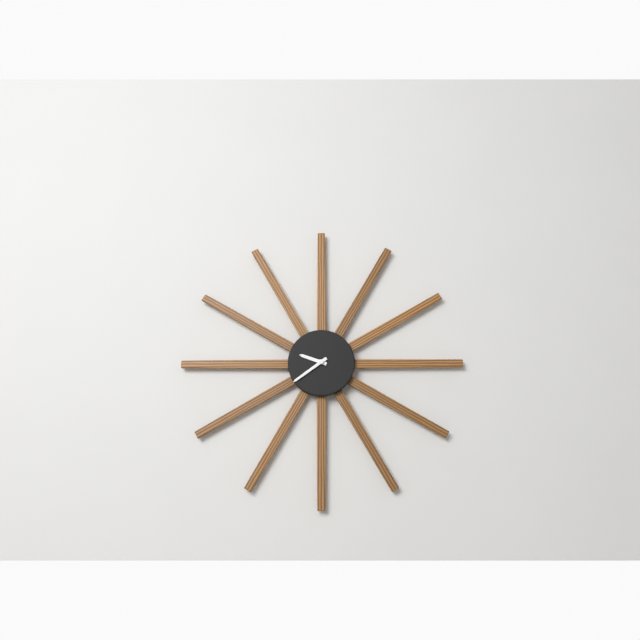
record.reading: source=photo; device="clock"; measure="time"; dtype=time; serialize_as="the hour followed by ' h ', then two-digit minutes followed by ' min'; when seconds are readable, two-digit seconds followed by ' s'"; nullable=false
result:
9 h 39 min
